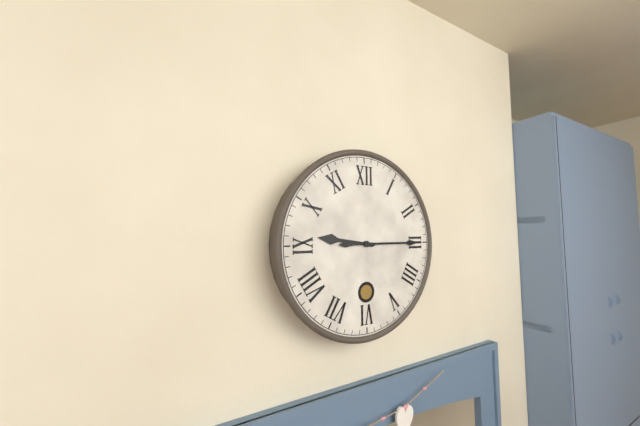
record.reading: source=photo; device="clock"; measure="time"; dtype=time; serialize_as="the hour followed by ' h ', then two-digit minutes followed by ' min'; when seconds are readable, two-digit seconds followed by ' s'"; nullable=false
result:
9 h 15 min
